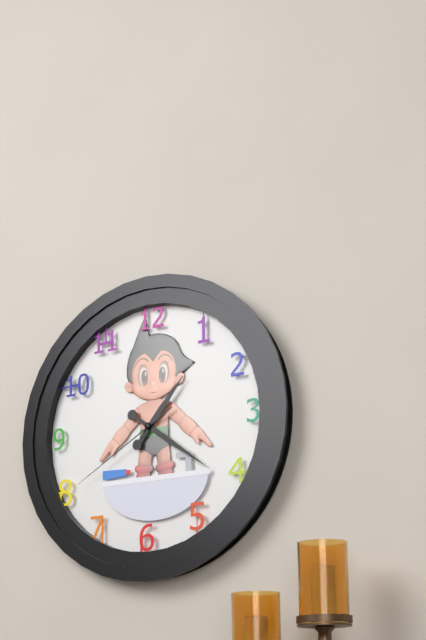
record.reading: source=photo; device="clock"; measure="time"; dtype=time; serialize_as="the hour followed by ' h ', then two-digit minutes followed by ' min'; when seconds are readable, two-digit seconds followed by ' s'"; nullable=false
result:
1 h 21 min 40 s
